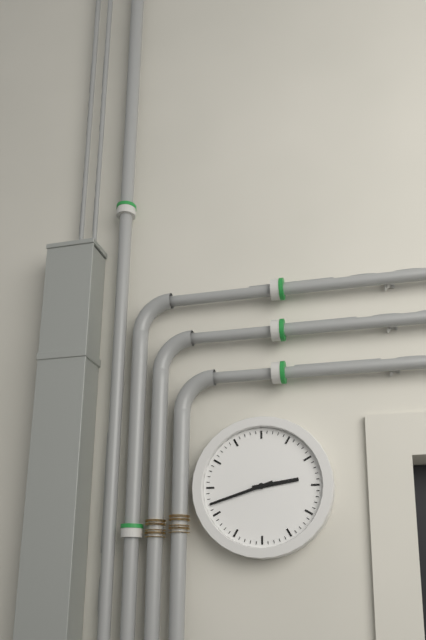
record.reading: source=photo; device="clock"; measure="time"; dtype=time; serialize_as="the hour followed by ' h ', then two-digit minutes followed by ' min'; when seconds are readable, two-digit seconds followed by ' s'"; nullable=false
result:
2 h 42 min
